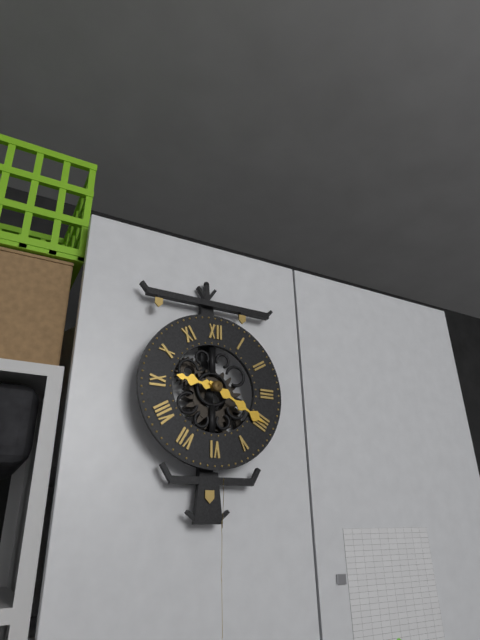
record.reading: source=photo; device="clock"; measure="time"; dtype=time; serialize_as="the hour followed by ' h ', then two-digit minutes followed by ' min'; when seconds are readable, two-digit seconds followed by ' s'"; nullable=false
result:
9 h 20 min
